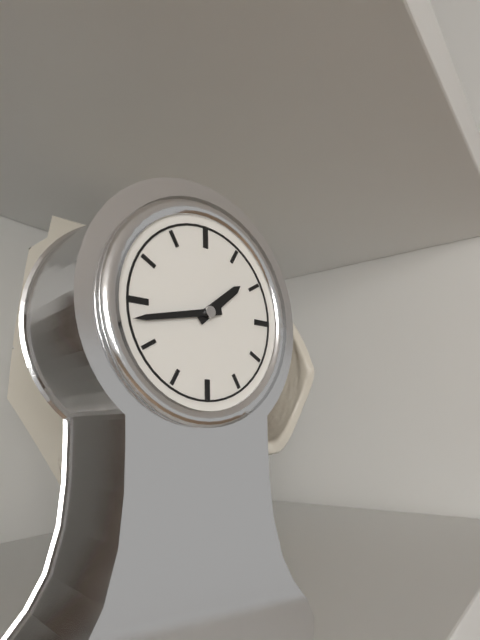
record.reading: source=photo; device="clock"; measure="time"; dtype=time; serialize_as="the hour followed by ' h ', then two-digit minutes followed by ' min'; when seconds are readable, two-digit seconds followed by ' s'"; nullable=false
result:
1 h 43 min
